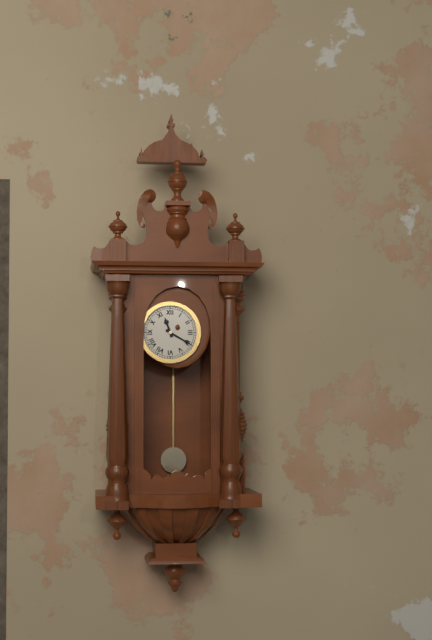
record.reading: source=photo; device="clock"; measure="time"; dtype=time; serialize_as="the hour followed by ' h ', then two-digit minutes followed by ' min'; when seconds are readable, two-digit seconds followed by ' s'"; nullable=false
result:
11 h 20 min
